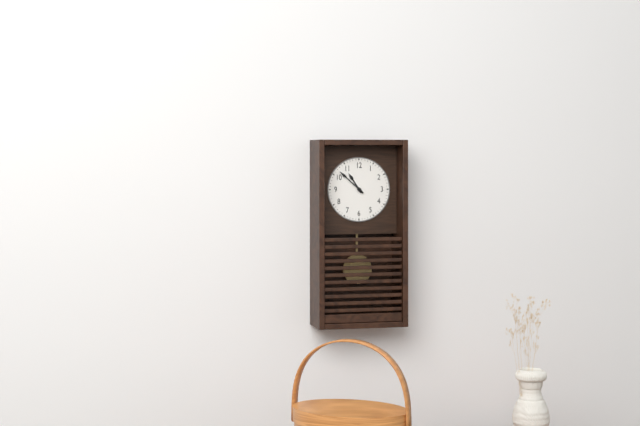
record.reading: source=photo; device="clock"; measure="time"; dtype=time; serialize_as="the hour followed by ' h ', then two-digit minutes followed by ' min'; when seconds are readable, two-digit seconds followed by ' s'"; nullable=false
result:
10 h 52 min
